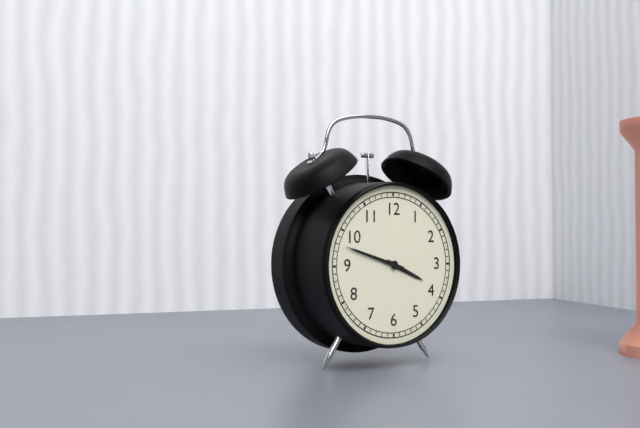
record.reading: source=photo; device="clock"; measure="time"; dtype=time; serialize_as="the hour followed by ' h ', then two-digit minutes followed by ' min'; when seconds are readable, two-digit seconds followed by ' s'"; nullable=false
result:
3 h 48 min
